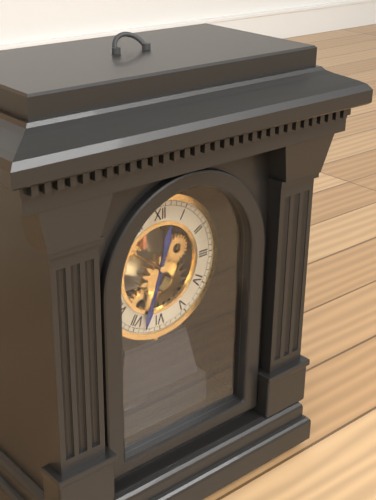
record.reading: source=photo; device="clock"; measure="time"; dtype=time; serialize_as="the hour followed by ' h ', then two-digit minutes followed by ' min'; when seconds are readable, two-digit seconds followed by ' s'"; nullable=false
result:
12 h 33 min
